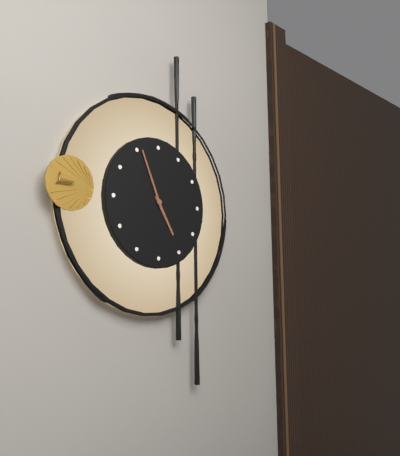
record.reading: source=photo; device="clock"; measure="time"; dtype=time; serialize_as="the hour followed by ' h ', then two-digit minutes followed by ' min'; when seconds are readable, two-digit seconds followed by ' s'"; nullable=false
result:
4 h 56 min
